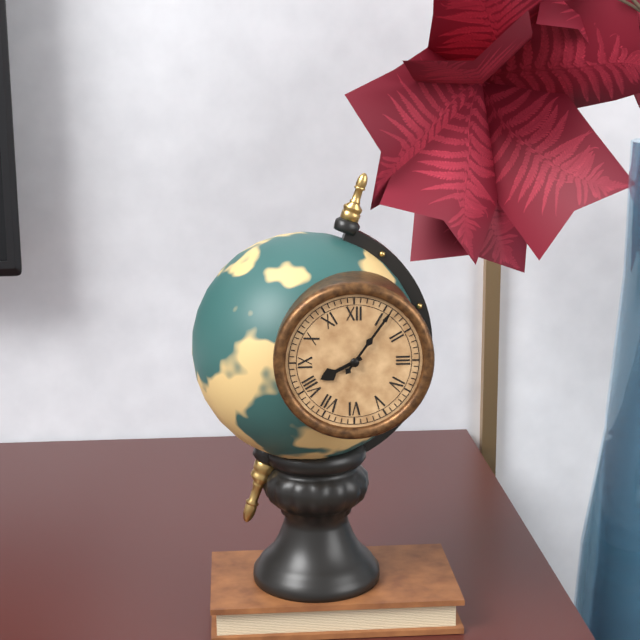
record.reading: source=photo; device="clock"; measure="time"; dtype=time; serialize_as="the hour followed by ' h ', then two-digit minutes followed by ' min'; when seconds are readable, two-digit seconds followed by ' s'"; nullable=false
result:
8 h 06 min
